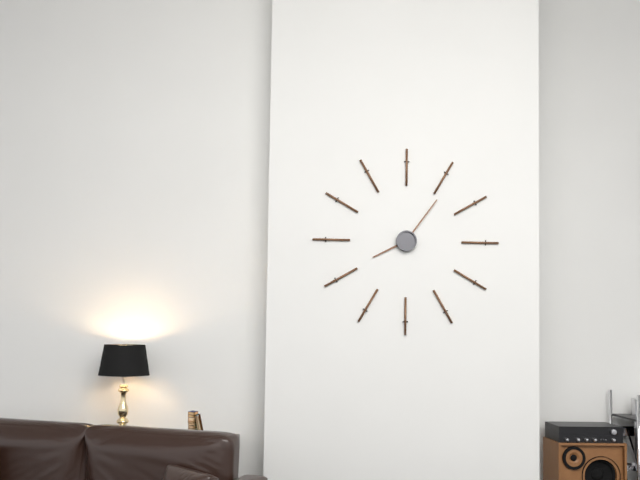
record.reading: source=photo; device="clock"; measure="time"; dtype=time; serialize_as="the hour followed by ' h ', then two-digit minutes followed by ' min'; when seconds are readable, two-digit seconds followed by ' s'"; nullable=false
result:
8 h 06 min
